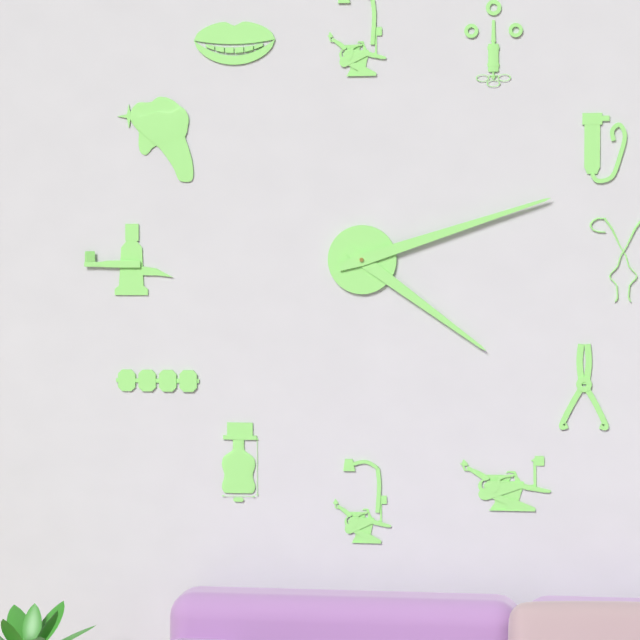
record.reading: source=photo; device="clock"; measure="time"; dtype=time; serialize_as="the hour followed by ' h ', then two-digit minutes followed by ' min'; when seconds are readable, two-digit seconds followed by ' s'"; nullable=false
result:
4 h 12 min
